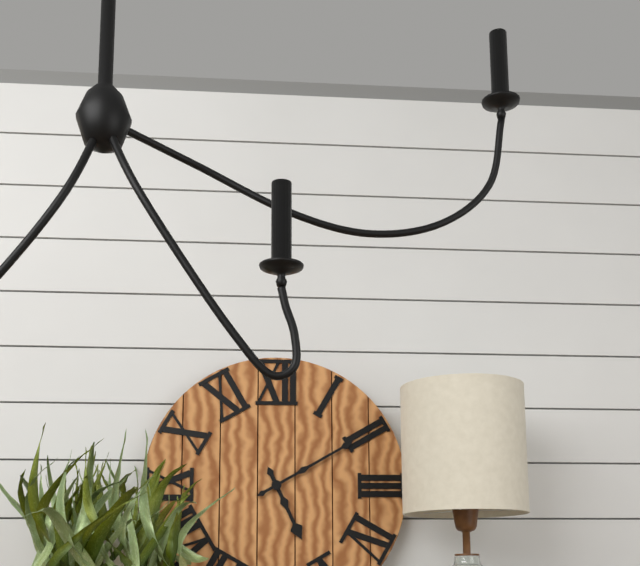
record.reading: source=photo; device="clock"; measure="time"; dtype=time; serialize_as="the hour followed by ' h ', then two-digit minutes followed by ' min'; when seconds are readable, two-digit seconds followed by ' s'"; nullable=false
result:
5 h 10 min
